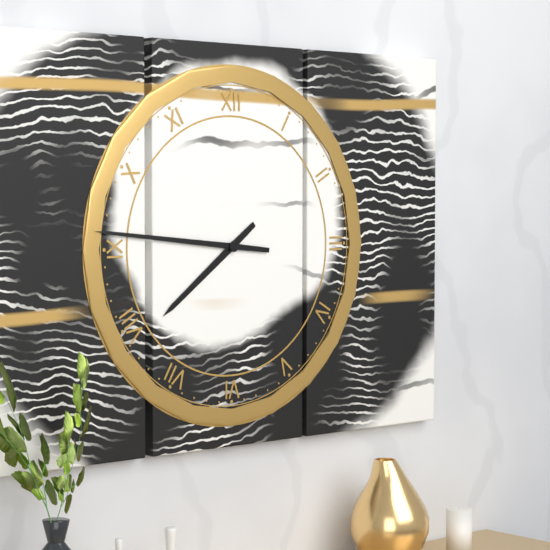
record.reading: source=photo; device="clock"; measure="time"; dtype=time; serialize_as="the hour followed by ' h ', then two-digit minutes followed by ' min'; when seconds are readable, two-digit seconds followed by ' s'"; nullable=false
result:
7 h 46 min
